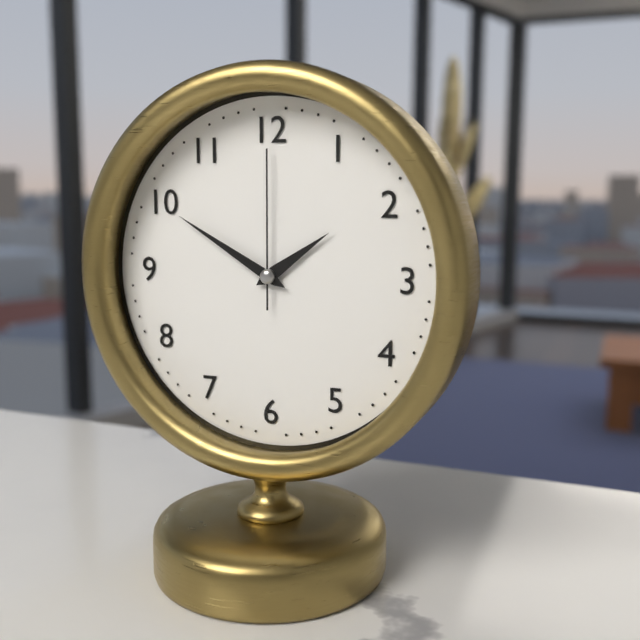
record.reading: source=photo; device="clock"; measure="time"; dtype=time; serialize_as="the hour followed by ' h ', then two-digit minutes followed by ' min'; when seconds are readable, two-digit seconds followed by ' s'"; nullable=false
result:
1 h 50 min 00 s
